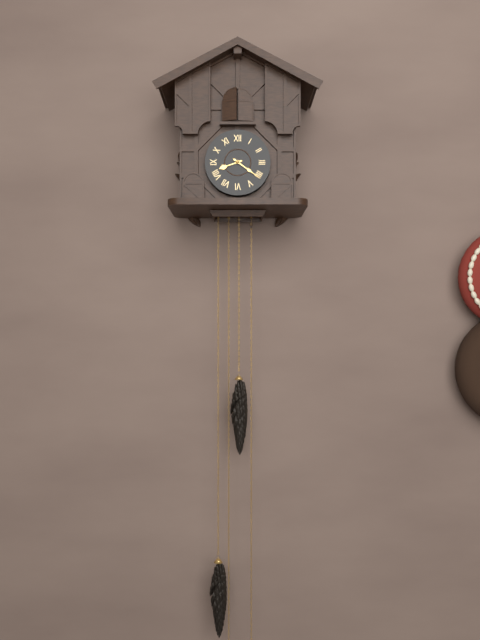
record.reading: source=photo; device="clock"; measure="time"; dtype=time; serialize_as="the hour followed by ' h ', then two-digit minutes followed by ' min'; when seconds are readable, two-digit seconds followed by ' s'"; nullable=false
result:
8 h 21 min
